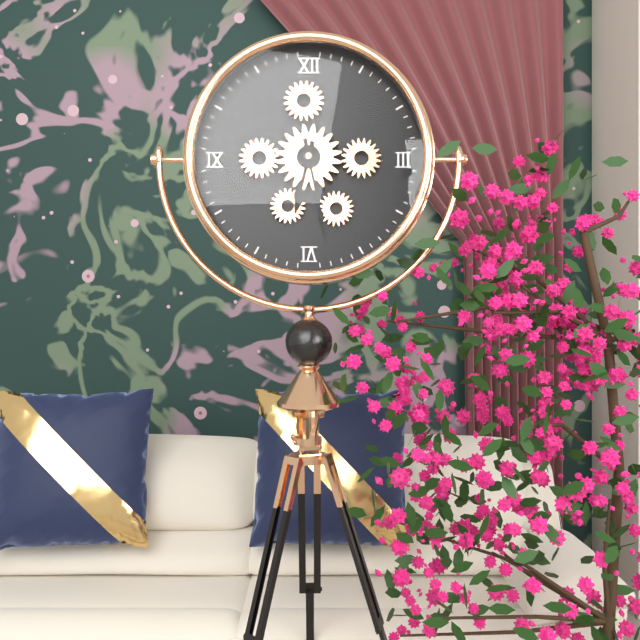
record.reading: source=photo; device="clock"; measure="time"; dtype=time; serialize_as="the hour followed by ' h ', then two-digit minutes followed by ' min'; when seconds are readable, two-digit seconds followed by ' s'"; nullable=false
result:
6 h 28 min
